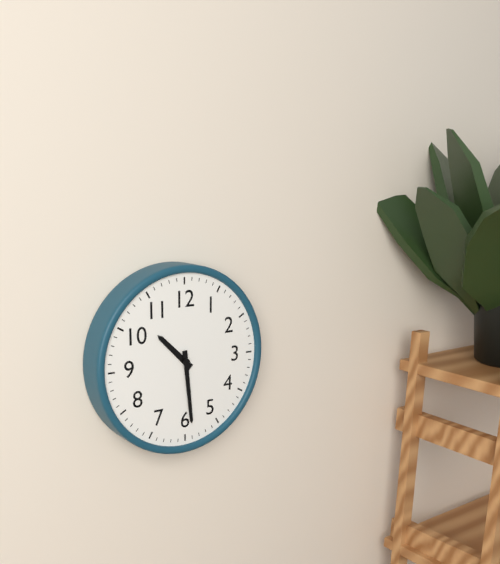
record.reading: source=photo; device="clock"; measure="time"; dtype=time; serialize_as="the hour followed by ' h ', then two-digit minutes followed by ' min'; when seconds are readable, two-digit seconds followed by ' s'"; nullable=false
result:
10 h 29 min
